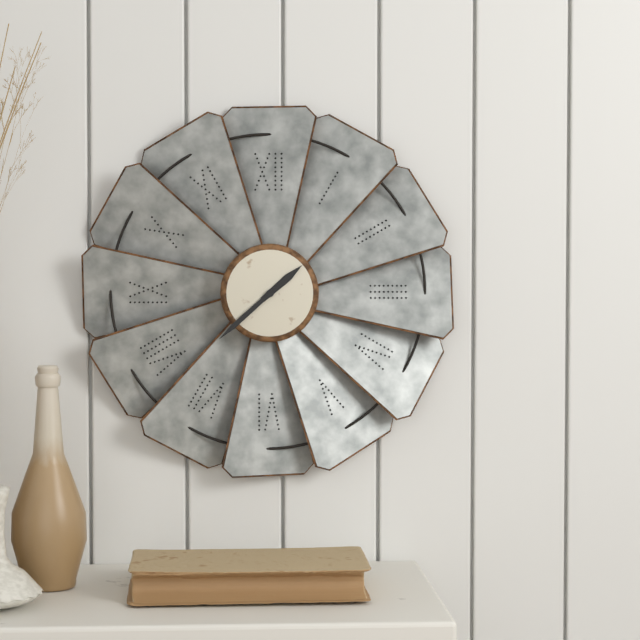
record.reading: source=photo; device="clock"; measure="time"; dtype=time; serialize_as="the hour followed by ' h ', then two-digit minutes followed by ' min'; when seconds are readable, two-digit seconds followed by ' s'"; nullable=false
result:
1 h 38 min
